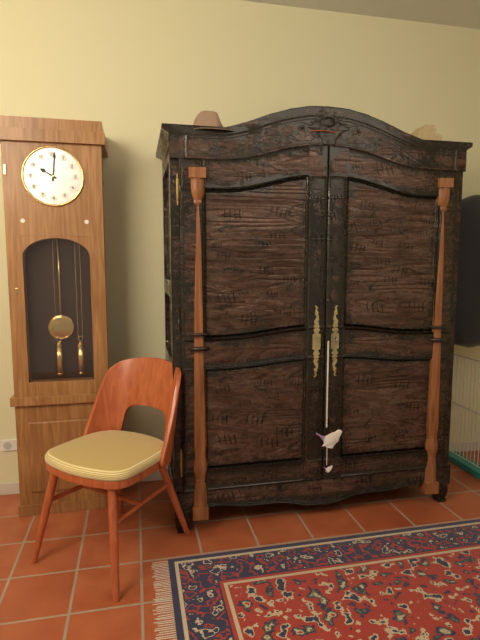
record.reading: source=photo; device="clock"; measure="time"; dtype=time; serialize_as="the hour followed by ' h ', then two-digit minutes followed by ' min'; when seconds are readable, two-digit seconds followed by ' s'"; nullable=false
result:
10 h 01 min
